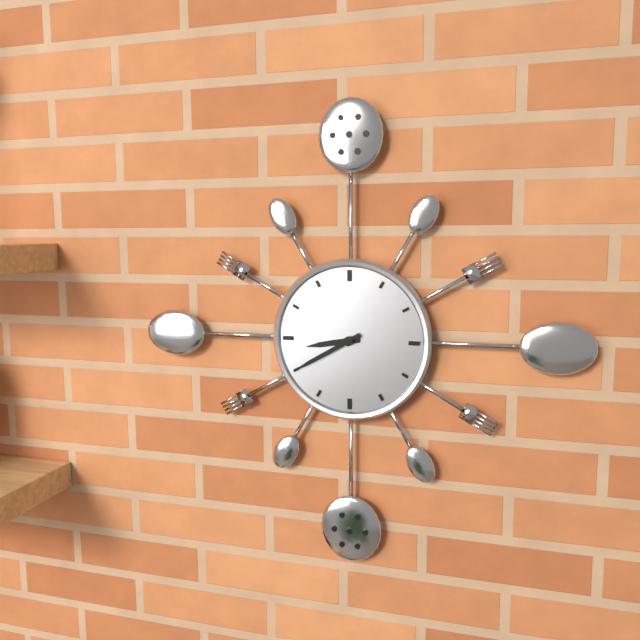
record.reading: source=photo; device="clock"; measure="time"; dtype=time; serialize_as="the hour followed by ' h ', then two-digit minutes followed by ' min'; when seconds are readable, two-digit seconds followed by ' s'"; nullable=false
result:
8 h 40 min
